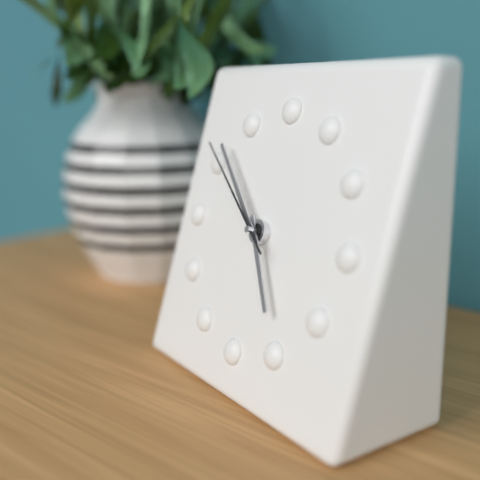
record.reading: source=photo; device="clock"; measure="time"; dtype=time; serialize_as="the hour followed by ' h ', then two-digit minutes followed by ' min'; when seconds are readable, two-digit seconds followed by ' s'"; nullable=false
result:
4 h 52 min 51 s
